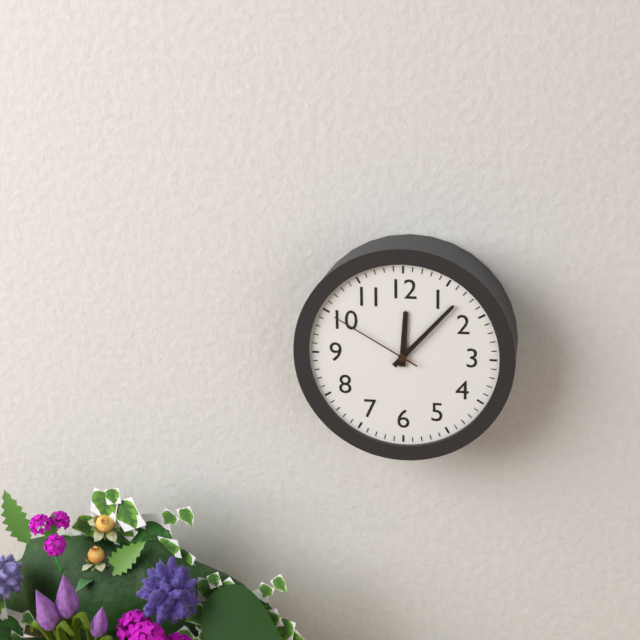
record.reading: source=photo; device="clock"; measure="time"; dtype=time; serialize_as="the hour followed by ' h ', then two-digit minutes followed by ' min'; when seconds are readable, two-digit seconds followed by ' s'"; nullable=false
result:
12 h 07 min 50 s
